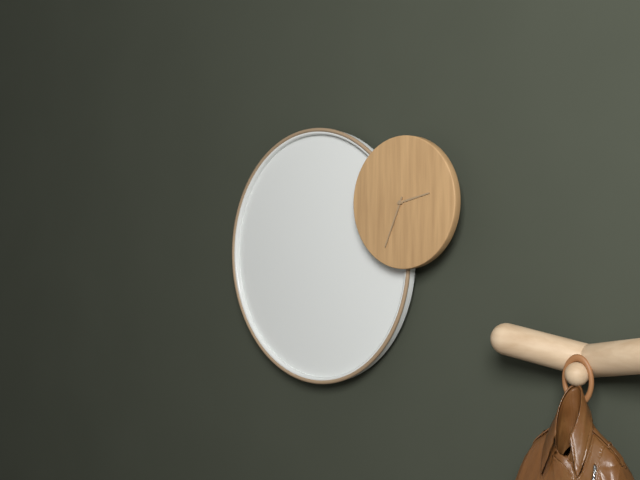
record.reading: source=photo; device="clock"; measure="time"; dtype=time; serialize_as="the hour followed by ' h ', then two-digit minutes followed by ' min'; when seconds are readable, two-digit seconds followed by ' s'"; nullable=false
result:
2 h 34 min
